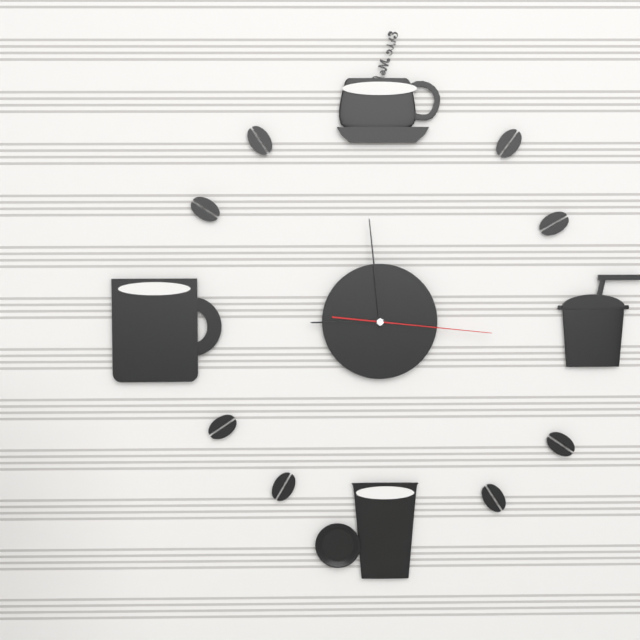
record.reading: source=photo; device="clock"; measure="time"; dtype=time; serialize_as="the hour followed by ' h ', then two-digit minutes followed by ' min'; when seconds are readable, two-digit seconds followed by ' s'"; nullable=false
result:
8 h 59 min 16 s
